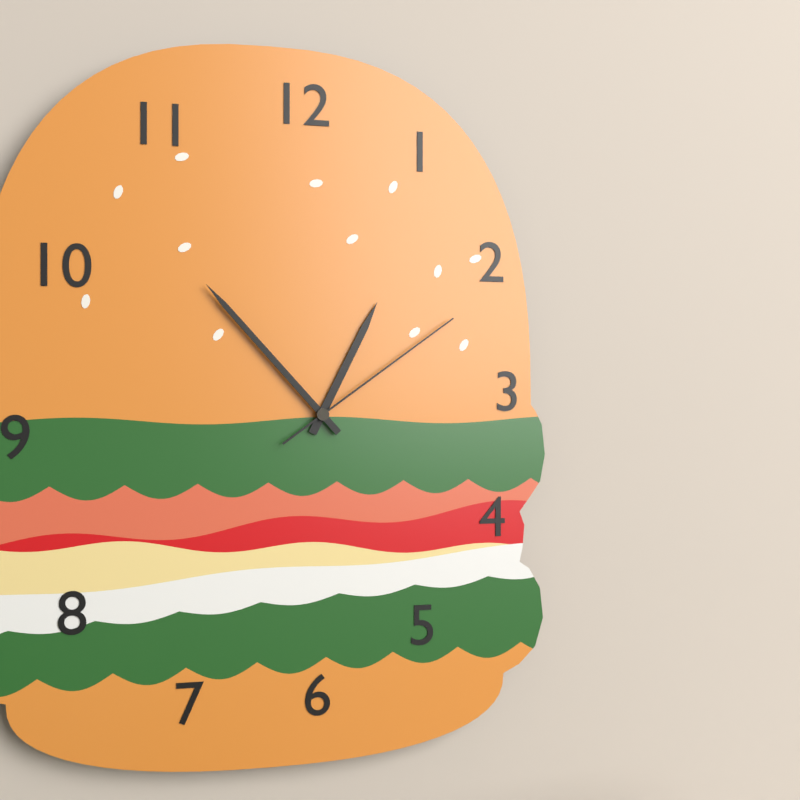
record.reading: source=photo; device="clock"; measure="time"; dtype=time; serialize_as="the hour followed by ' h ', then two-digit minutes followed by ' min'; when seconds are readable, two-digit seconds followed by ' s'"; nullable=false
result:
12 h 53 min 09 s
